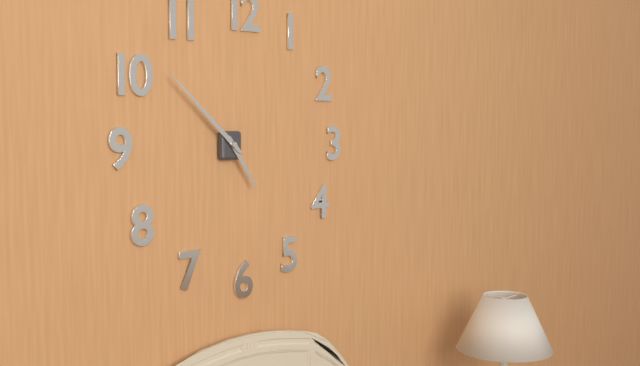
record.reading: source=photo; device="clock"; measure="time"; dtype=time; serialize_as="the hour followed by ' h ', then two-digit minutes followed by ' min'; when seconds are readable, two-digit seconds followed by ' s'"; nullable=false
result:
4 h 52 min
